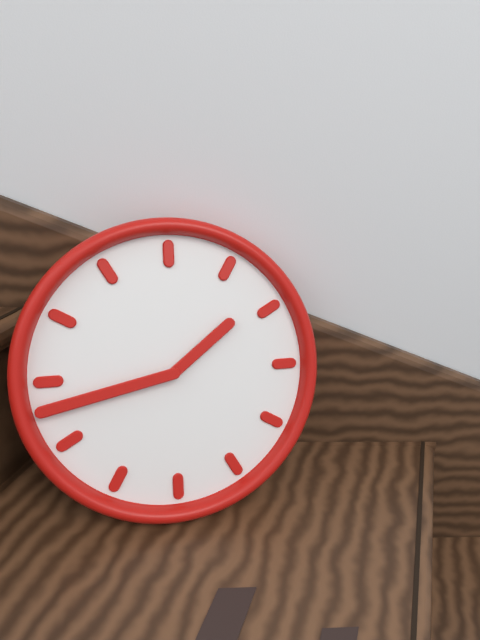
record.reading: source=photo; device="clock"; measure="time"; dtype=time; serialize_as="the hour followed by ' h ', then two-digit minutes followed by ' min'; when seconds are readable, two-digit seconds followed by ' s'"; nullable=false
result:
1 h 43 min
